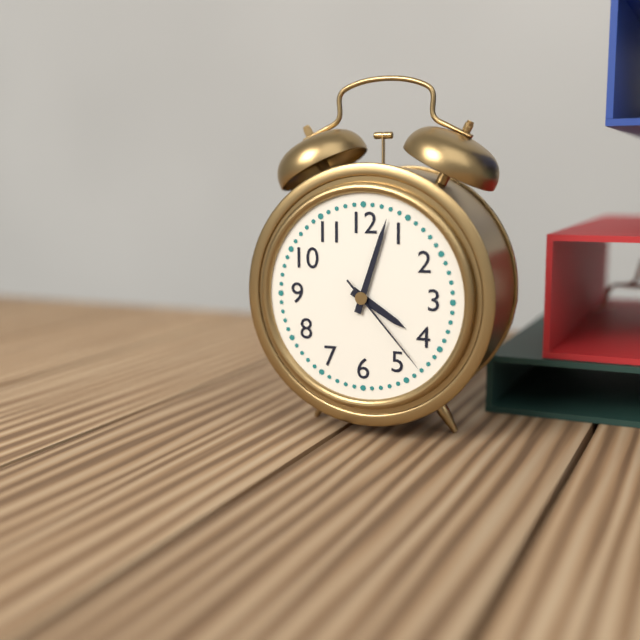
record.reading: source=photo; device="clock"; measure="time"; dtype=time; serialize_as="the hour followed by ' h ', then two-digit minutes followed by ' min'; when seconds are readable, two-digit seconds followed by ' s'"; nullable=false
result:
4 h 03 min 23 s
